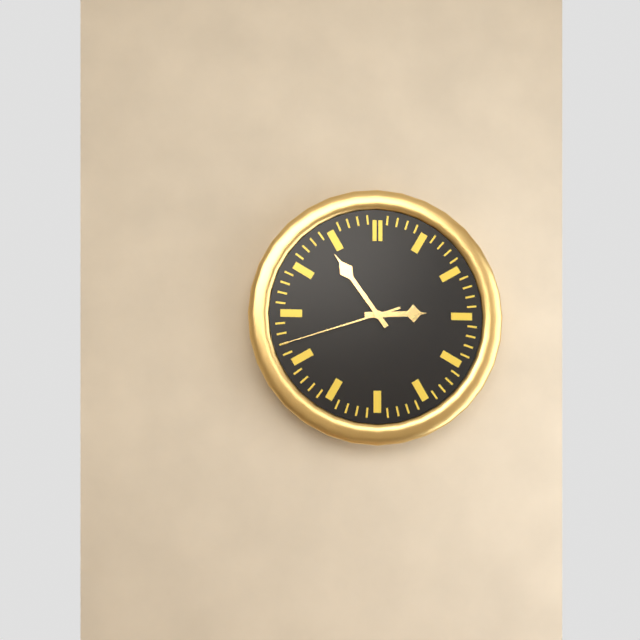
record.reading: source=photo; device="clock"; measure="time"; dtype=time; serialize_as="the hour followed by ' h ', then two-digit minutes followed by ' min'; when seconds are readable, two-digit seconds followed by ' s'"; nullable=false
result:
2 h 54 min 42 s
